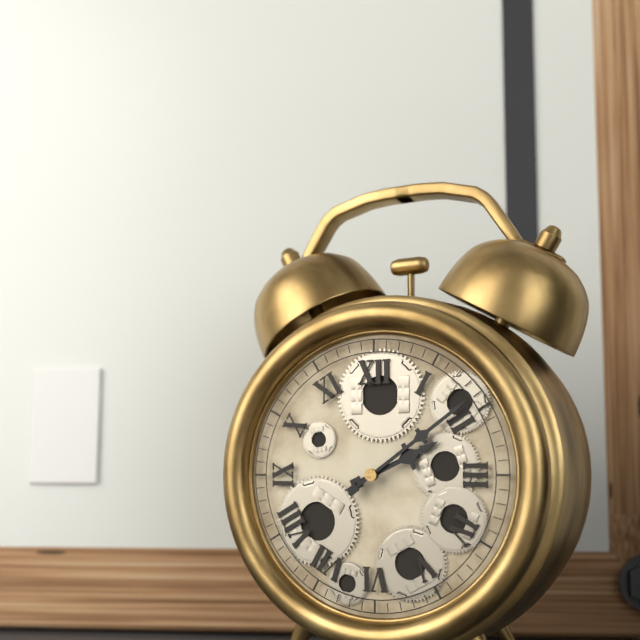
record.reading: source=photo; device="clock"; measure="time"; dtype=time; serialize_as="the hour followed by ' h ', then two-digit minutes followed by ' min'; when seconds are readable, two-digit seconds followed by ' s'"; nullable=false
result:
2 h 09 min
